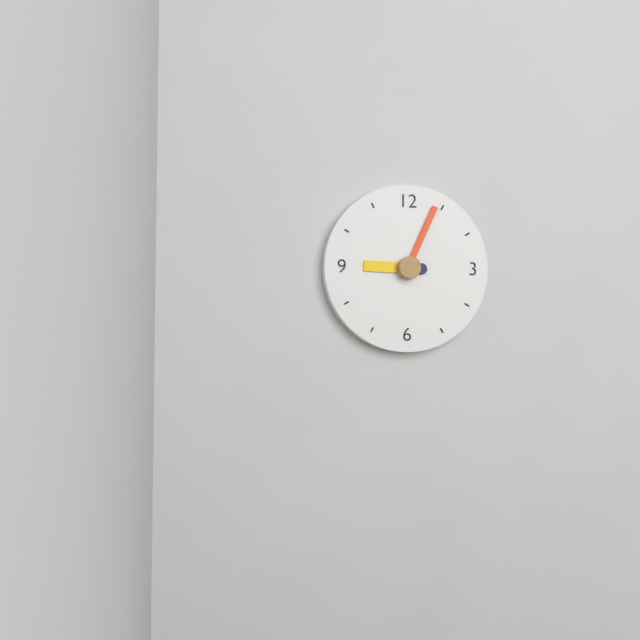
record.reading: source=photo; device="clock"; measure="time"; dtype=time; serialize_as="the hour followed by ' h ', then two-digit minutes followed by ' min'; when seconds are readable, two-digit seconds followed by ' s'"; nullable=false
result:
9 h 04 min
